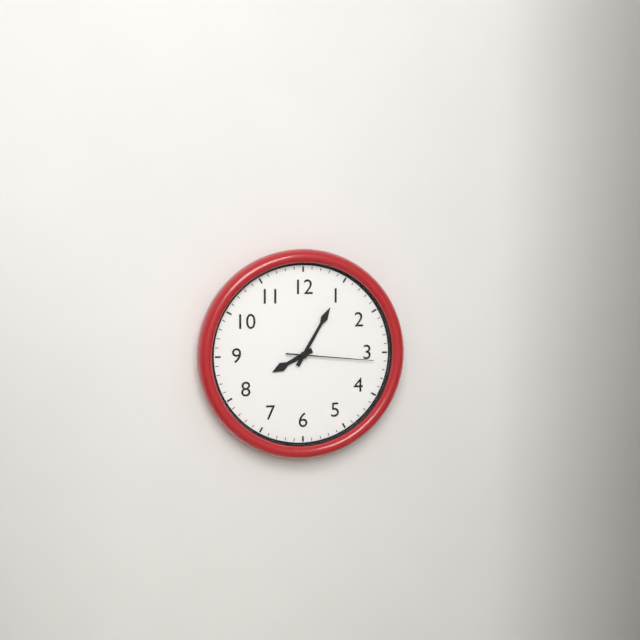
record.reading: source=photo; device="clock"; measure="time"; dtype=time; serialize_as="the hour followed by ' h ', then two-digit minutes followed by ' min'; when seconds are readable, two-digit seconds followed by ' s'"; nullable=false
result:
8 h 05 min 16 s
